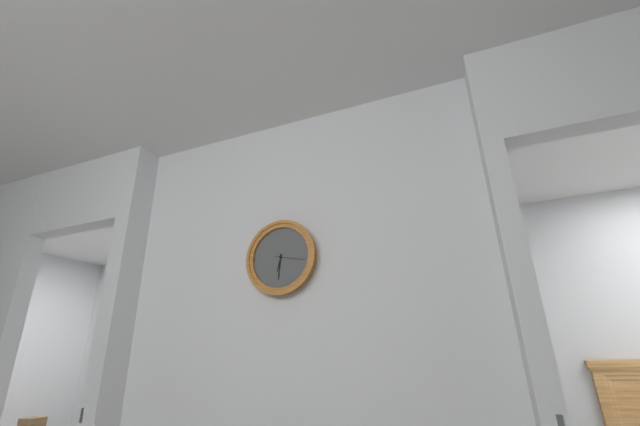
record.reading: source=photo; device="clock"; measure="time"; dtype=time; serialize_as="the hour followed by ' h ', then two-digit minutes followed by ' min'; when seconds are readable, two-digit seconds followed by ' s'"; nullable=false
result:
6 h 31 min
